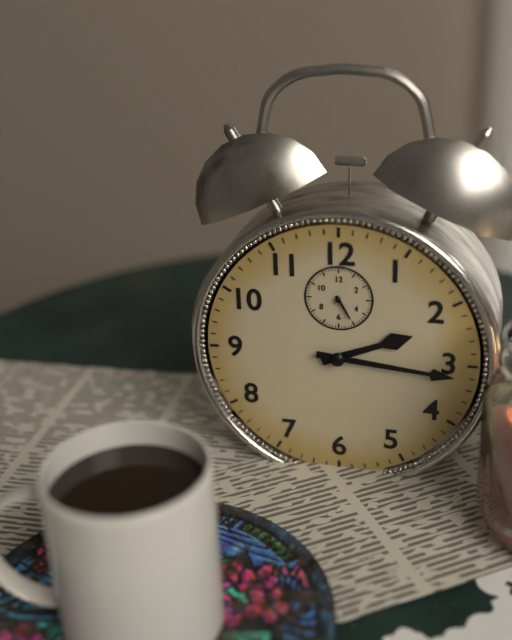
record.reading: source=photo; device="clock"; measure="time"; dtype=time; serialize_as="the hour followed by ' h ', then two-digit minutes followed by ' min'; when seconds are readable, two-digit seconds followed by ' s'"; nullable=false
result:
2 h 16 min
